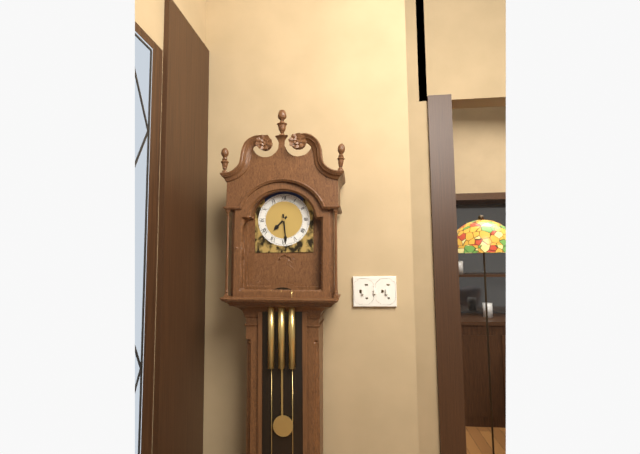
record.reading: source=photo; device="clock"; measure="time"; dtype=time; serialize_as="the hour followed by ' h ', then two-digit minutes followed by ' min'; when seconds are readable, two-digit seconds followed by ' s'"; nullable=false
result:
7 h 29 min
